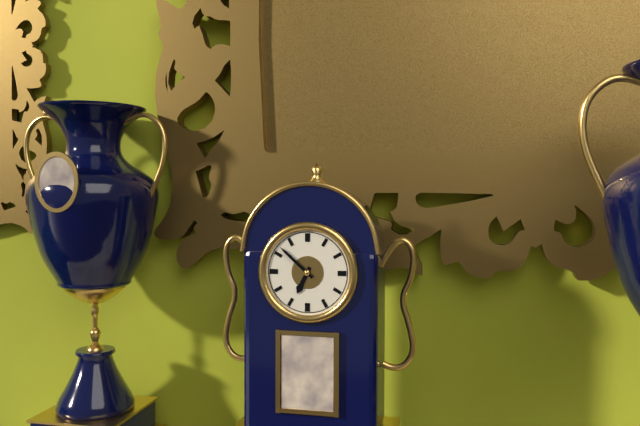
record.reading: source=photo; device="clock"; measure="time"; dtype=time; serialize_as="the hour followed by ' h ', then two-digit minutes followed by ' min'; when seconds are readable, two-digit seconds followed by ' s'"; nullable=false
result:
6 h 52 min
